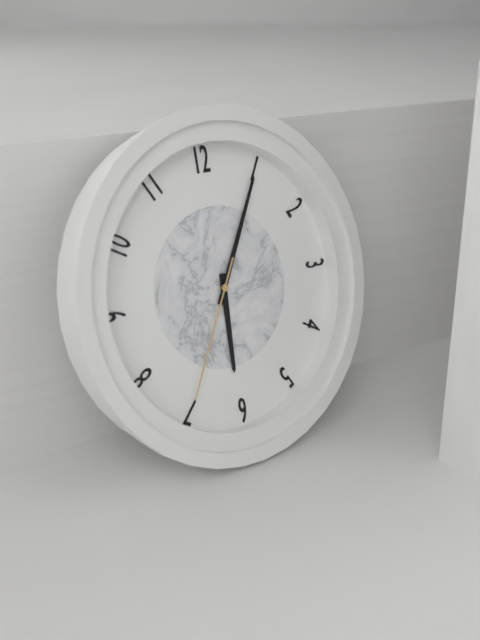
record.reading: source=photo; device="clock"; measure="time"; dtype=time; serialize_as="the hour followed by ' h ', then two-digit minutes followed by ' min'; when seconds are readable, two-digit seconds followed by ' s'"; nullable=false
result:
6 h 05 min 35 s
